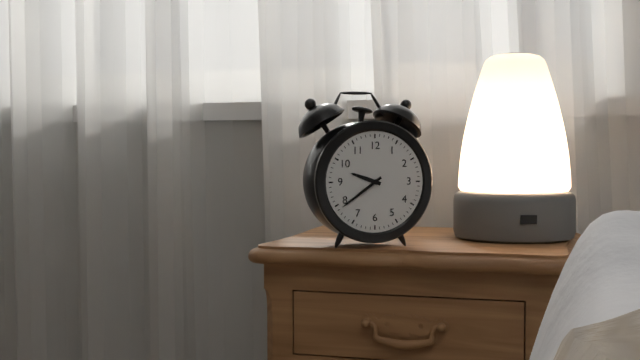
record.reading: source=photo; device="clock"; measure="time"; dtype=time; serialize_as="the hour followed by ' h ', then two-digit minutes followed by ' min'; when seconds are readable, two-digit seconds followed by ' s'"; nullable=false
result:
9 h 39 min
